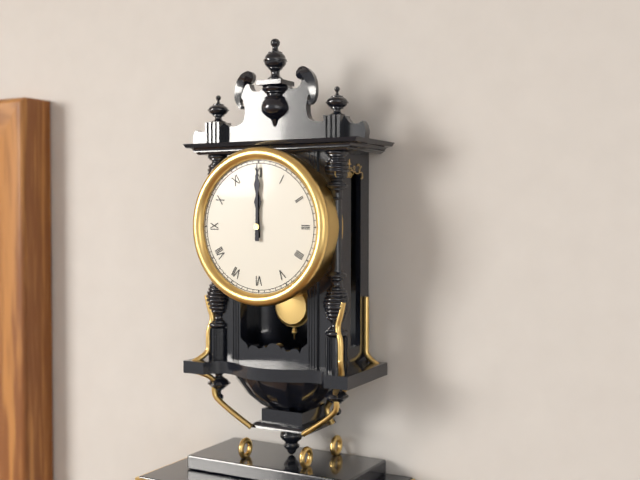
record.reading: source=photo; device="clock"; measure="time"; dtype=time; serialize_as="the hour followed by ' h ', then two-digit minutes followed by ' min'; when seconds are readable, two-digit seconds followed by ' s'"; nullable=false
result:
12 h 00 min
